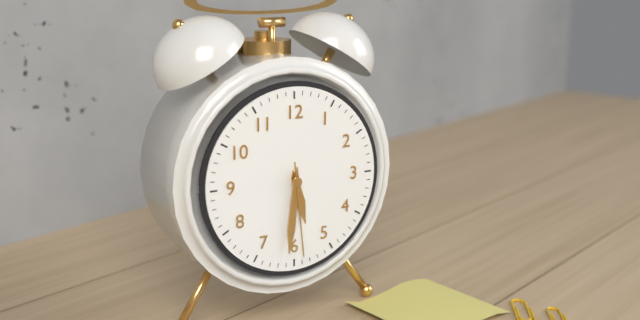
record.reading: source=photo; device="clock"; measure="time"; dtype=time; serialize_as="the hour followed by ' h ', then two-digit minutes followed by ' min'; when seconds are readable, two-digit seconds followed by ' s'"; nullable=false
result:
5 h 31 min 29 s
